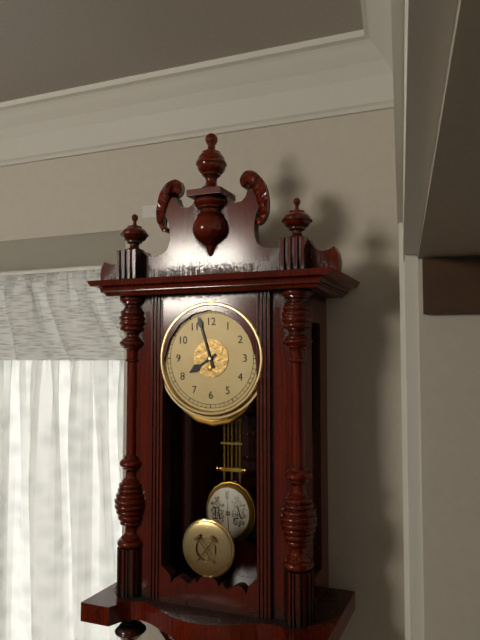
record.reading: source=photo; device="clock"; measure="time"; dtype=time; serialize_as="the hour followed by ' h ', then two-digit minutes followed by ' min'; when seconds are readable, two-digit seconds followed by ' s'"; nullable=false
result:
7 h 57 min
